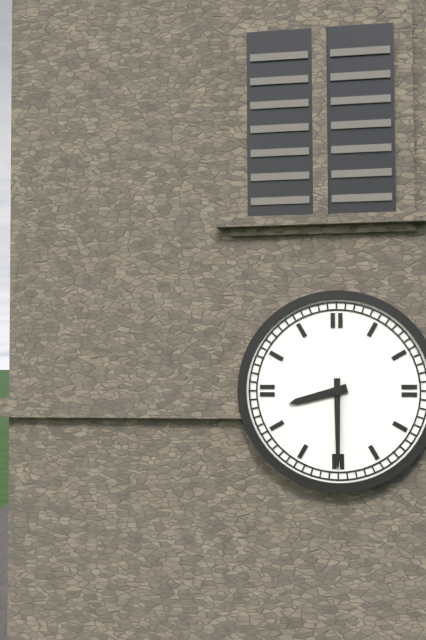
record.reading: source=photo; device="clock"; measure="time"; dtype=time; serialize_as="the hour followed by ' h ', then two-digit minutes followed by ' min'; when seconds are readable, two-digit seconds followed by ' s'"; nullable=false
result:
8 h 30 min
